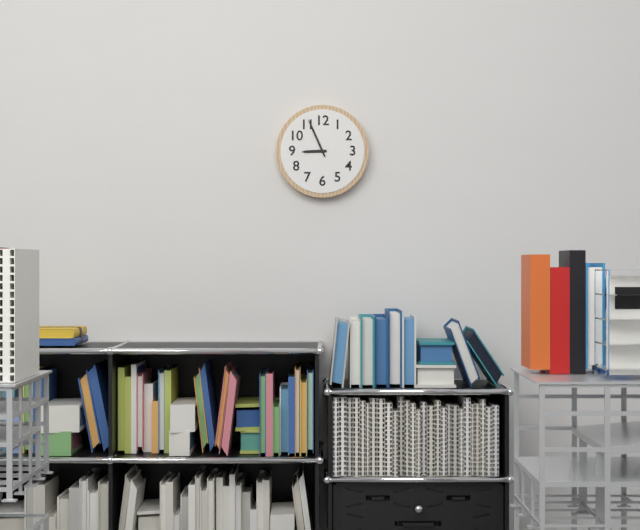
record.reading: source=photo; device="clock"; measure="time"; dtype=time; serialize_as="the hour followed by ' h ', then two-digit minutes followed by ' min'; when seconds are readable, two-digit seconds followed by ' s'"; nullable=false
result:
8 h 56 min
